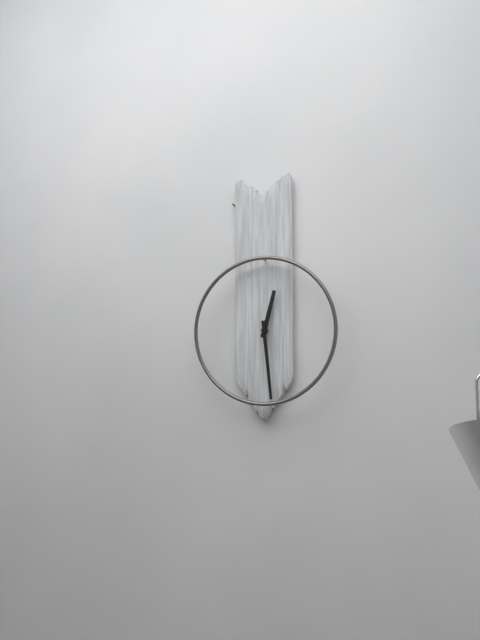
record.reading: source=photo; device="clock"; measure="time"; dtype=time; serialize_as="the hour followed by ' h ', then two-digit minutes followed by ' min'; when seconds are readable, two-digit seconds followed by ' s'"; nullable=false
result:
12 h 29 min
